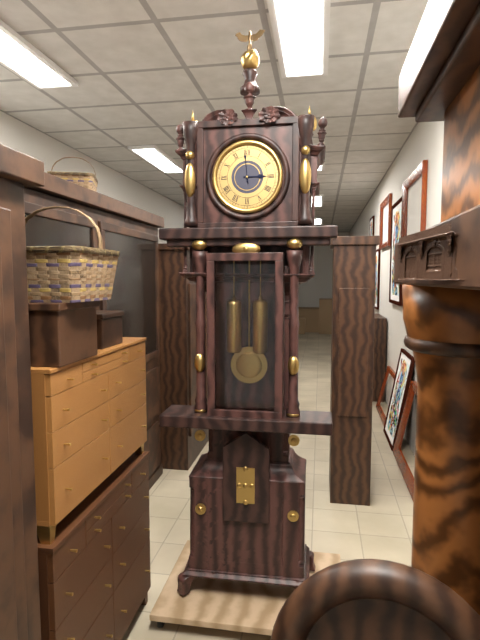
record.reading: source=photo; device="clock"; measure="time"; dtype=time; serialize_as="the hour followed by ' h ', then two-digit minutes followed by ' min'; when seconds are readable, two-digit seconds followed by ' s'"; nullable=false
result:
2 h 59 min
